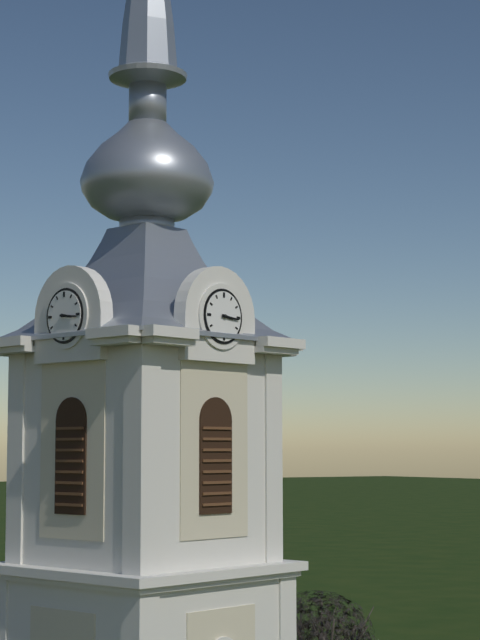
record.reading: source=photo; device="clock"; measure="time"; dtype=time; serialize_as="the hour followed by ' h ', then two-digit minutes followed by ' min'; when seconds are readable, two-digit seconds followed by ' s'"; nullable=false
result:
3 h 16 min
